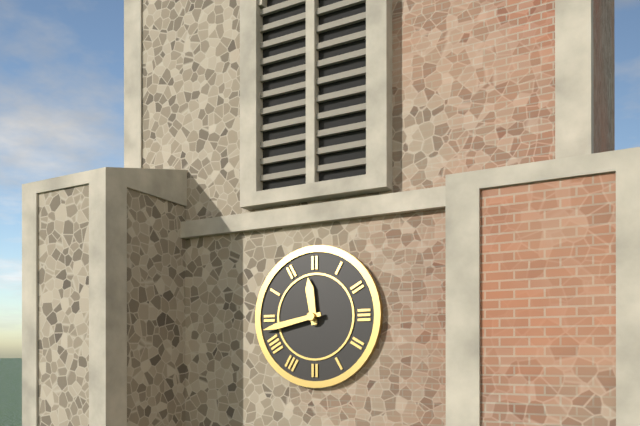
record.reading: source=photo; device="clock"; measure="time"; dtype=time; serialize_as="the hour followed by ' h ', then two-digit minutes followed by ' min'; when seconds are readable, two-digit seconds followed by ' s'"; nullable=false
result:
11 h 43 min
